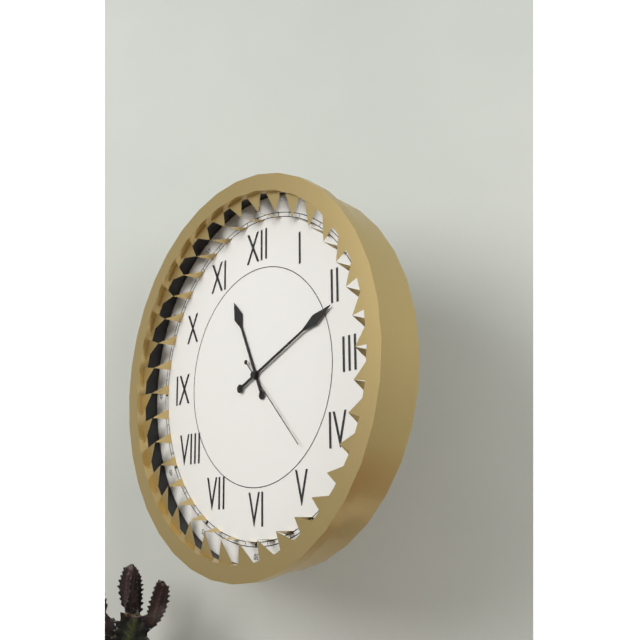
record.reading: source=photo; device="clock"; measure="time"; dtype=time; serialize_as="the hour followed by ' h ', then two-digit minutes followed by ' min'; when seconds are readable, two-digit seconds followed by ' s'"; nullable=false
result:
11 h 11 min 23 s
